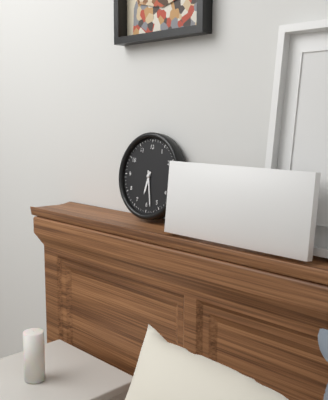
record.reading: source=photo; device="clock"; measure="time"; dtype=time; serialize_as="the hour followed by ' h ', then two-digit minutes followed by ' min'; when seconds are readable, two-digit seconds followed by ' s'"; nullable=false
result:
6 h 28 min
